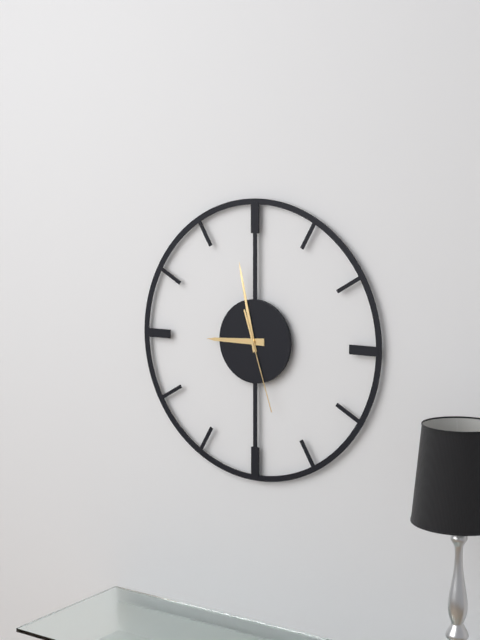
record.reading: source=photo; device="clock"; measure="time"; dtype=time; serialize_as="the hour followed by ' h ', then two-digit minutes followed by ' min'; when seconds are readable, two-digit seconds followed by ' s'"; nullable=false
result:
8 h 58 min 27 s
